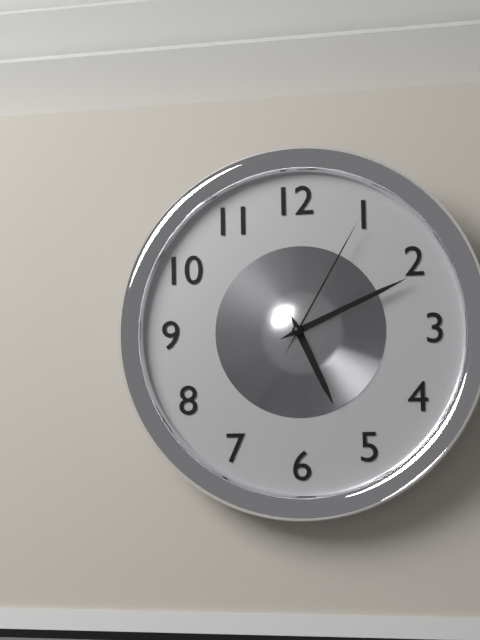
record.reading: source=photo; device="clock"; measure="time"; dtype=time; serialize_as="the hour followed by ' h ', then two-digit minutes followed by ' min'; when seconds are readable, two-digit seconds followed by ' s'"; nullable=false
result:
5 h 11 min 05 s
